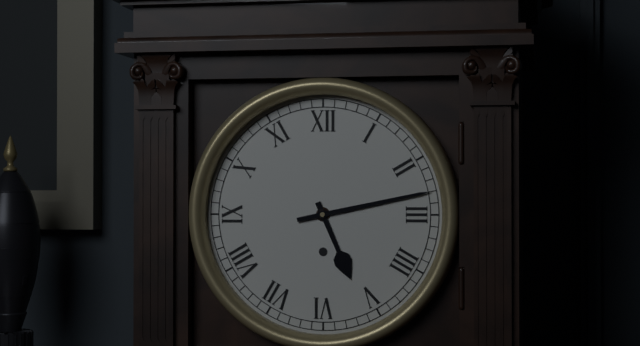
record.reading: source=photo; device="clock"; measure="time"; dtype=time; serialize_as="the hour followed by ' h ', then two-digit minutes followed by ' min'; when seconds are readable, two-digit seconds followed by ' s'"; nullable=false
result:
5 h 13 min
